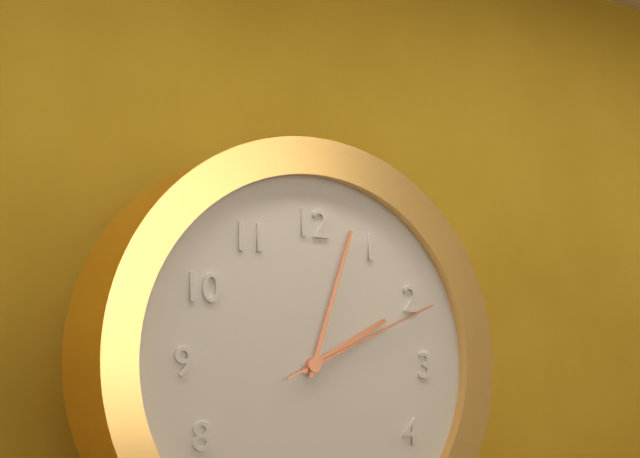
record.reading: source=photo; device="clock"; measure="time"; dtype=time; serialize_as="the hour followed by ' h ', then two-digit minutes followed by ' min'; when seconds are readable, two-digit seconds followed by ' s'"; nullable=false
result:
2 h 03 min 11 s
